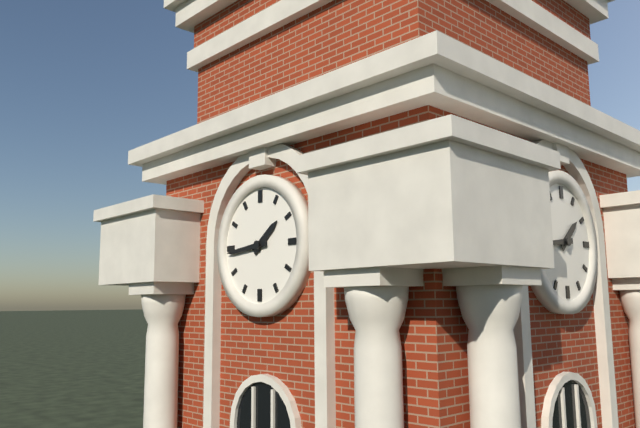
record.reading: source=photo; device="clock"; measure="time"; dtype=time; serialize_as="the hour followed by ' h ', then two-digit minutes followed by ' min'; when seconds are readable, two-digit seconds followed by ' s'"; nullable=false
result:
1 h 44 min
